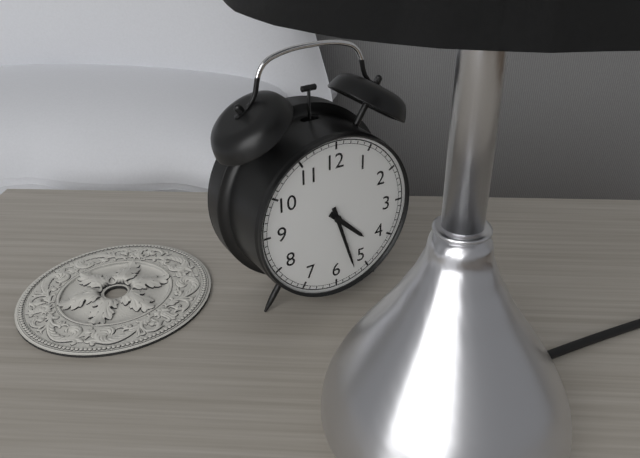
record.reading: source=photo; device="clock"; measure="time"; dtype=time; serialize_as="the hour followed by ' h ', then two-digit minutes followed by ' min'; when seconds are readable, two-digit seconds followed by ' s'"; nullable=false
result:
4 h 27 min
